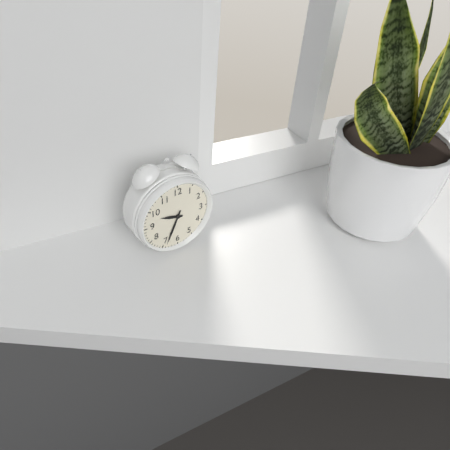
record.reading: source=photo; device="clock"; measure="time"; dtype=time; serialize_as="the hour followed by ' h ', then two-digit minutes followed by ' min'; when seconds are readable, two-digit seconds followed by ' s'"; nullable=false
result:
9 h 34 min
